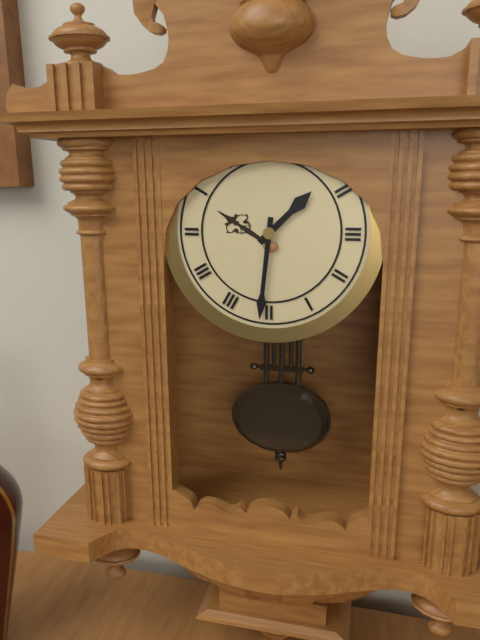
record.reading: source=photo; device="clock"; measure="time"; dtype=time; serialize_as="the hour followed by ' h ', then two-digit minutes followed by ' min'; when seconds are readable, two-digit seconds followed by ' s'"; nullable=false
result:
1 h 31 min
